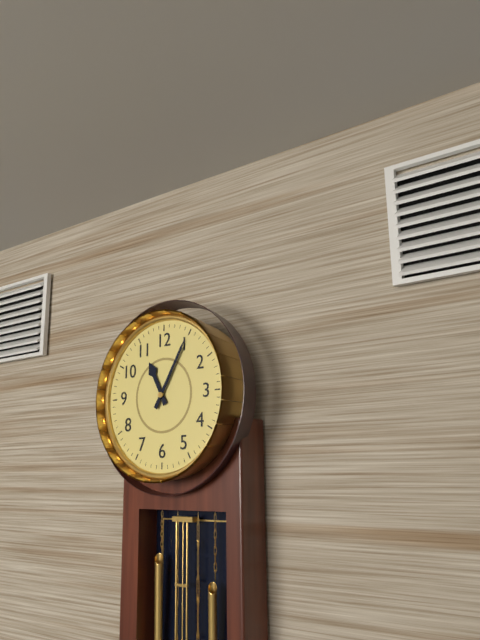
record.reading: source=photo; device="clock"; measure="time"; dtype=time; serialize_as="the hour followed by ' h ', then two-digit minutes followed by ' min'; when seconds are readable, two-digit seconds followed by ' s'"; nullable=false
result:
11 h 05 min
